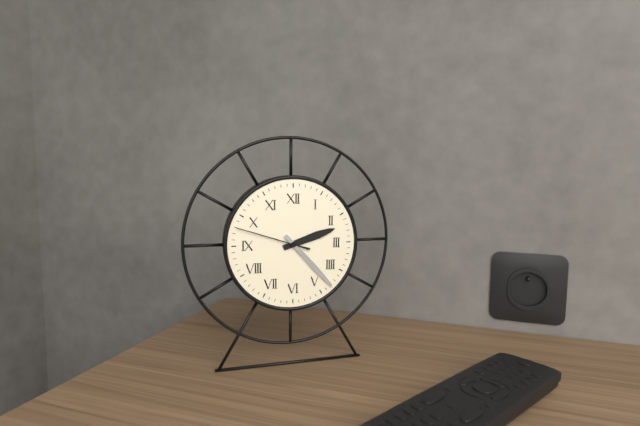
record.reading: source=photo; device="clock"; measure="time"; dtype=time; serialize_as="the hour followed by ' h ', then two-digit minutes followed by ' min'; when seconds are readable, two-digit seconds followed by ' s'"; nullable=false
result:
2 h 23 min 48 s
